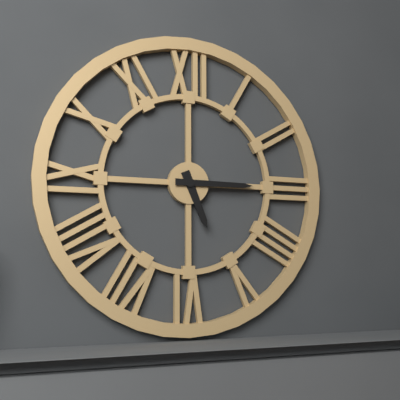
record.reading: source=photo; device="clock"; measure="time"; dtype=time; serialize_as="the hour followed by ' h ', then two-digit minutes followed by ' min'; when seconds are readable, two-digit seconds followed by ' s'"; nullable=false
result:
5 h 15 min
